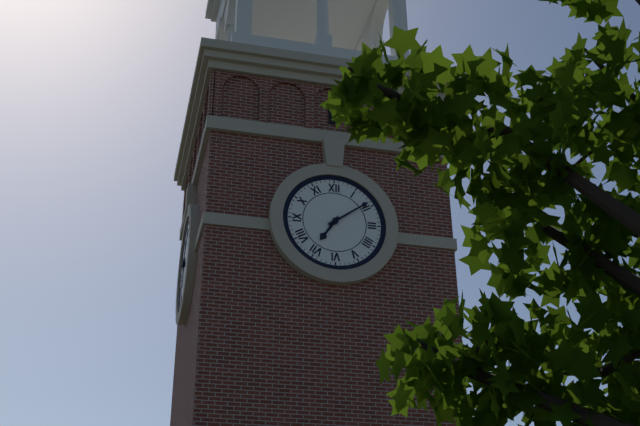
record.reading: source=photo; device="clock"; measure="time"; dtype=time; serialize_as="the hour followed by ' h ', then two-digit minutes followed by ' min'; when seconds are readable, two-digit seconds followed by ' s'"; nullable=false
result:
7 h 09 min
